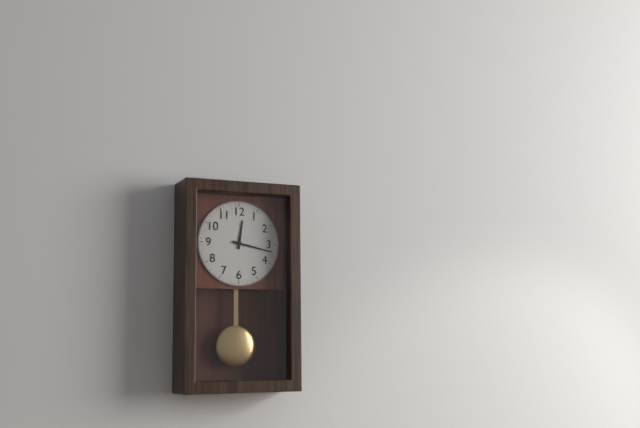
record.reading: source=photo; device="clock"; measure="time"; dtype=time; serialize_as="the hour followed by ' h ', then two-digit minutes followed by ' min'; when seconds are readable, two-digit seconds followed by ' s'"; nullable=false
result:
12 h 17 min
